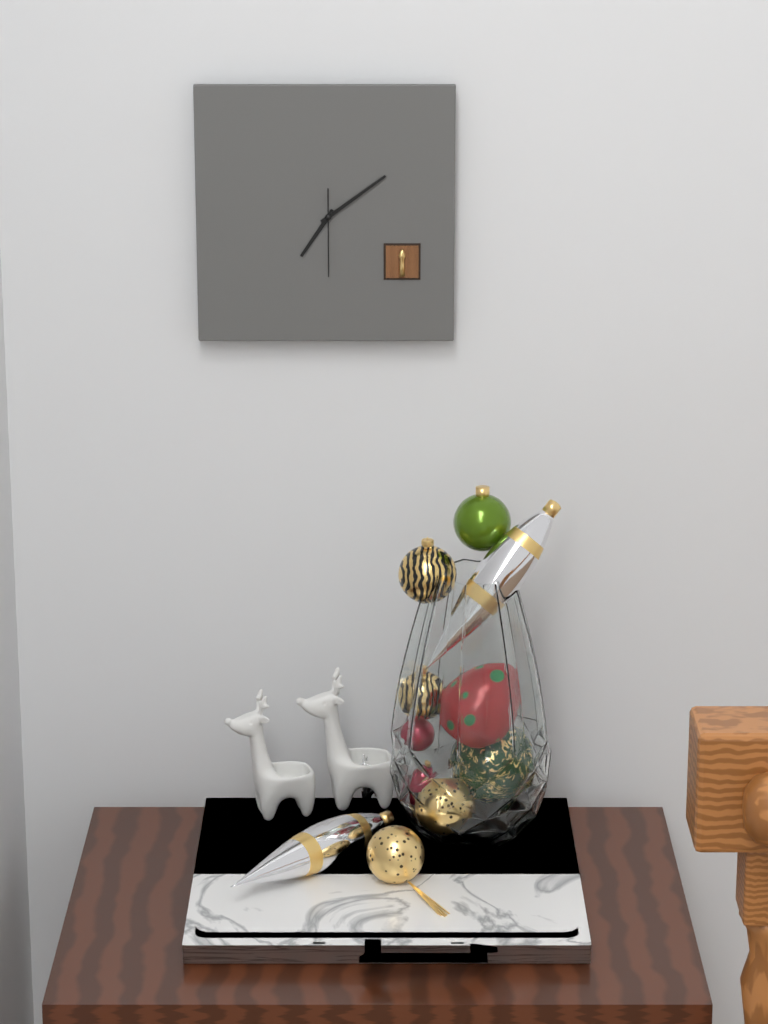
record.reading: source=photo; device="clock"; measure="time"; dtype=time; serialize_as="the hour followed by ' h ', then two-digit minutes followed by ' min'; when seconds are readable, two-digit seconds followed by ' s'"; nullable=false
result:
7 h 09 min 30 s
